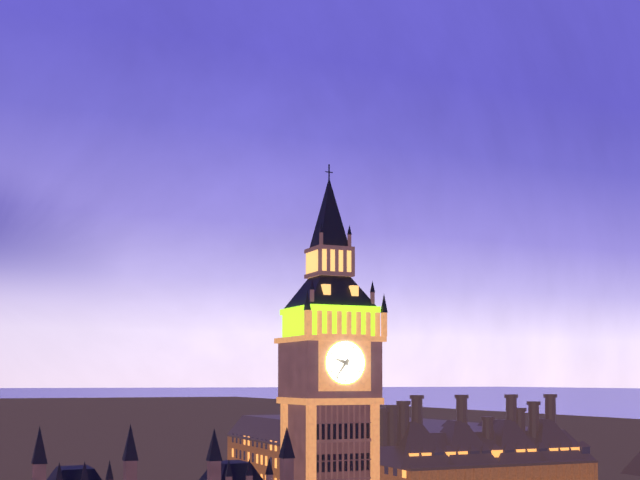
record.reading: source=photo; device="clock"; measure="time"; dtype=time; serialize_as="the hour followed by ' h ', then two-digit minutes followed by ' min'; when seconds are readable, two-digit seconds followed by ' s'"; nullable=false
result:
9 h 36 min
